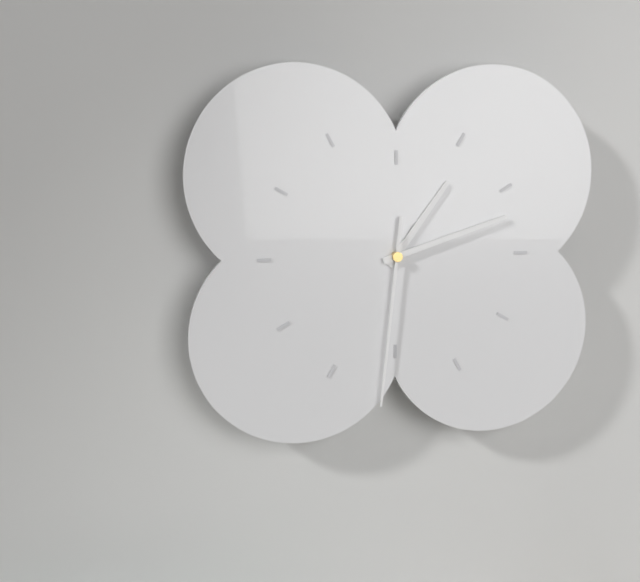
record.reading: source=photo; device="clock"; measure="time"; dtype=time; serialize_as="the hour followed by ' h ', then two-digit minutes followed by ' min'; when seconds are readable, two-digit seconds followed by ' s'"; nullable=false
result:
1 h 12 min 31 s
